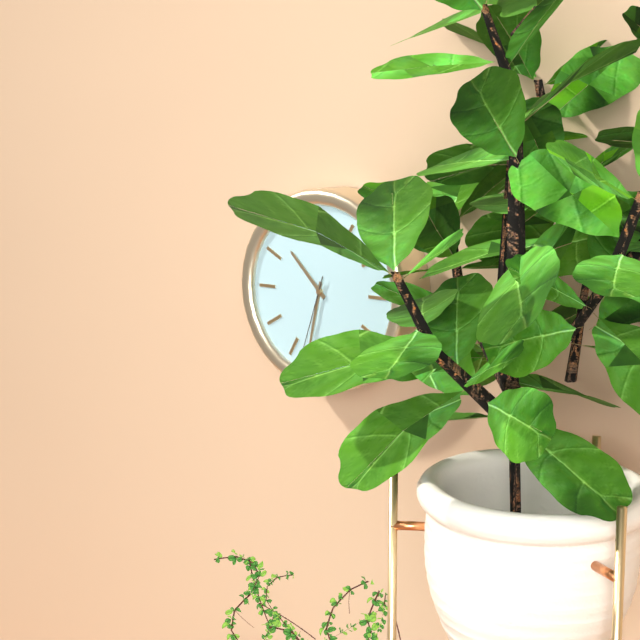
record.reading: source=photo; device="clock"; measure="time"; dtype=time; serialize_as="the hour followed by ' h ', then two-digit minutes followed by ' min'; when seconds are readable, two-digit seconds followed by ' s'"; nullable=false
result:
10 h 32 min 33 s
